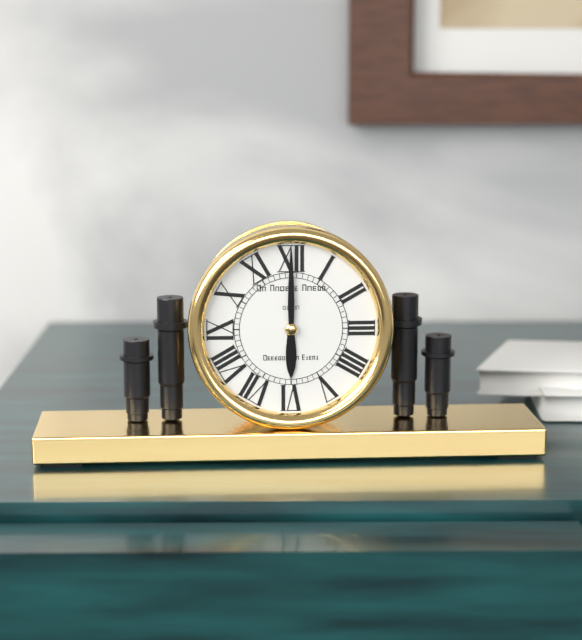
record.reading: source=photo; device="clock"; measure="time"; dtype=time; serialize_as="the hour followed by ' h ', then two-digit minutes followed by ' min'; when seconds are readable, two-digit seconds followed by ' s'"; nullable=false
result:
6 h 00 min
